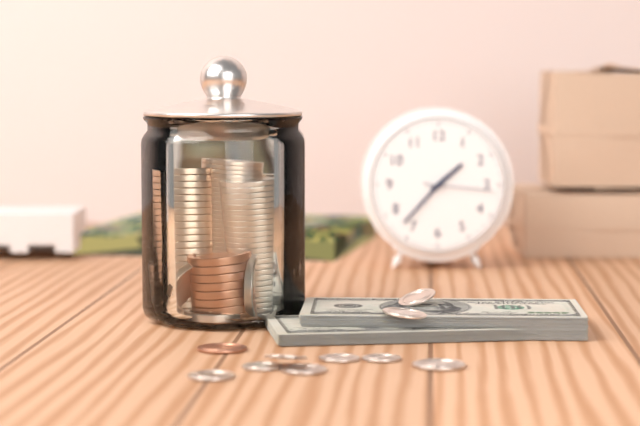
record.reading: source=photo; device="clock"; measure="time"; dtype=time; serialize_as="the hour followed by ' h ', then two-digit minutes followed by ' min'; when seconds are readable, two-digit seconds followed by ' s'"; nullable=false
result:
1 h 37 min 16 s
